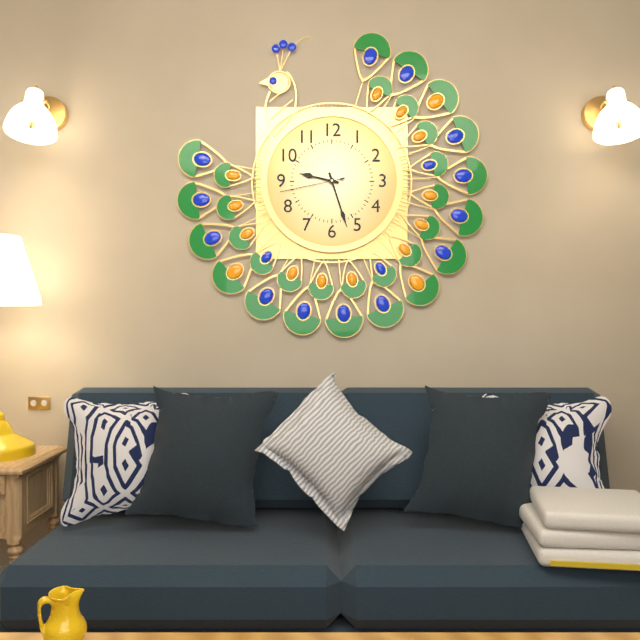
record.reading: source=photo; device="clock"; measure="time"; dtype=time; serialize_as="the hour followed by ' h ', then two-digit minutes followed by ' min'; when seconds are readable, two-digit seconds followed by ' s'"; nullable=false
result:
9 h 27 min 43 s
